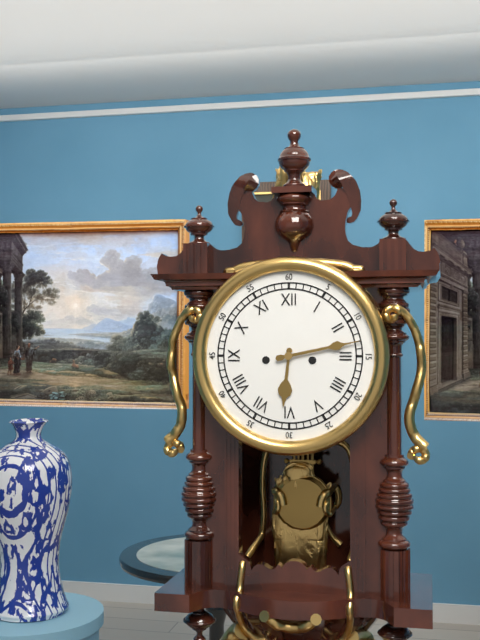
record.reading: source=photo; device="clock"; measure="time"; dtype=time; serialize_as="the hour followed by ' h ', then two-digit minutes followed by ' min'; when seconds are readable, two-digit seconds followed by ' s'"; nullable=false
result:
6 h 13 min
